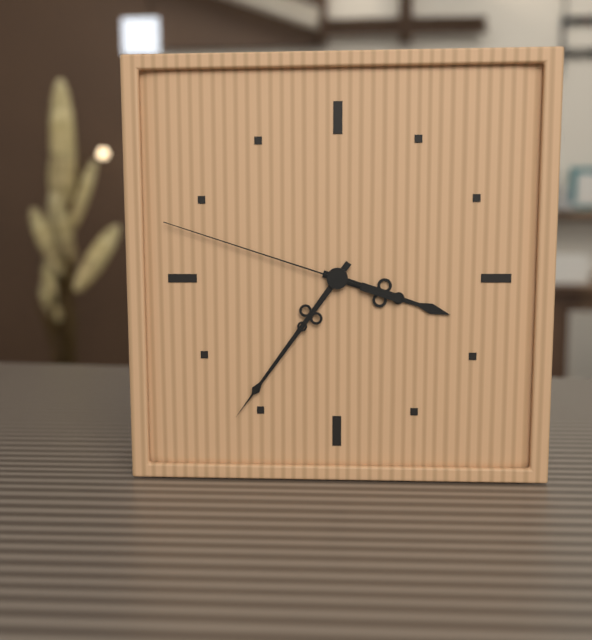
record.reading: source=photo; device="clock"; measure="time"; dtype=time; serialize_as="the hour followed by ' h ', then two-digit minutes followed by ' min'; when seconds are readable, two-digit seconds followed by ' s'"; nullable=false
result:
3 h 36 min 48 s
